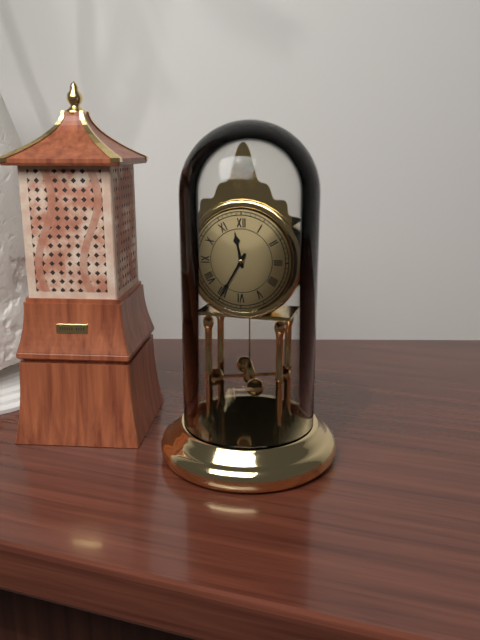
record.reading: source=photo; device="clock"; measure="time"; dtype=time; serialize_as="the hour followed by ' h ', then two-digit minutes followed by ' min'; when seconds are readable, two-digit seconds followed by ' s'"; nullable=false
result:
11 h 35 min
